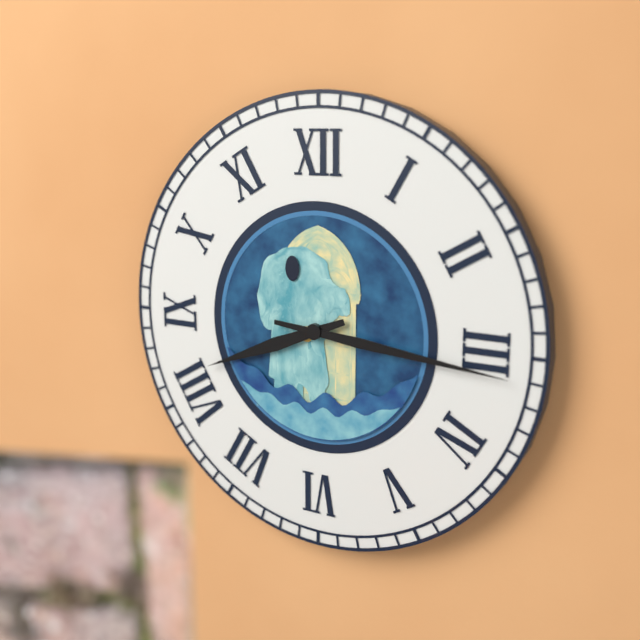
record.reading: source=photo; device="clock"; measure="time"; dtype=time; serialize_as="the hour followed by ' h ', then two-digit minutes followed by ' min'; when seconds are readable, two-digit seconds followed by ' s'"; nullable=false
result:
8 h 16 min
